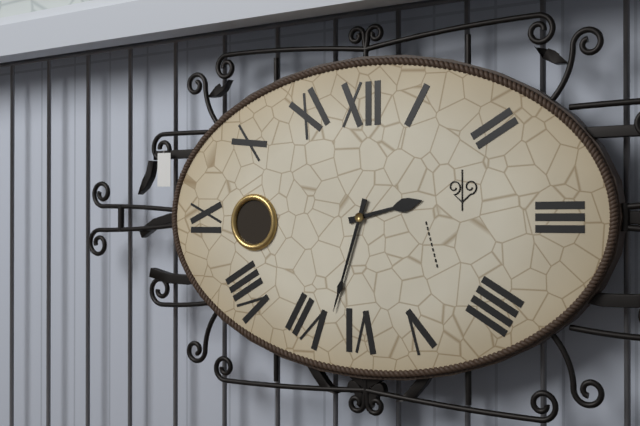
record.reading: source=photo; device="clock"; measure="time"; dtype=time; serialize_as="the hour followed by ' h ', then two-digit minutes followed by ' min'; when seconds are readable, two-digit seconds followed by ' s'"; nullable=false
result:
2 h 33 min
